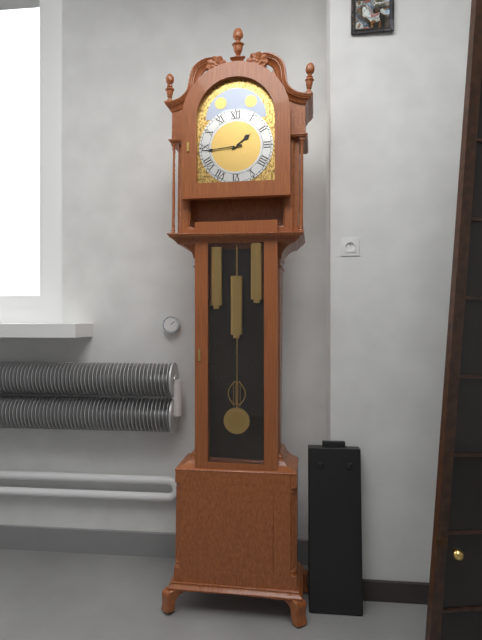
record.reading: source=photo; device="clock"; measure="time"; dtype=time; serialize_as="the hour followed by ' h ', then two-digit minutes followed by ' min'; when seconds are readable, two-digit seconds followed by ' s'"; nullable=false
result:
1 h 44 min
